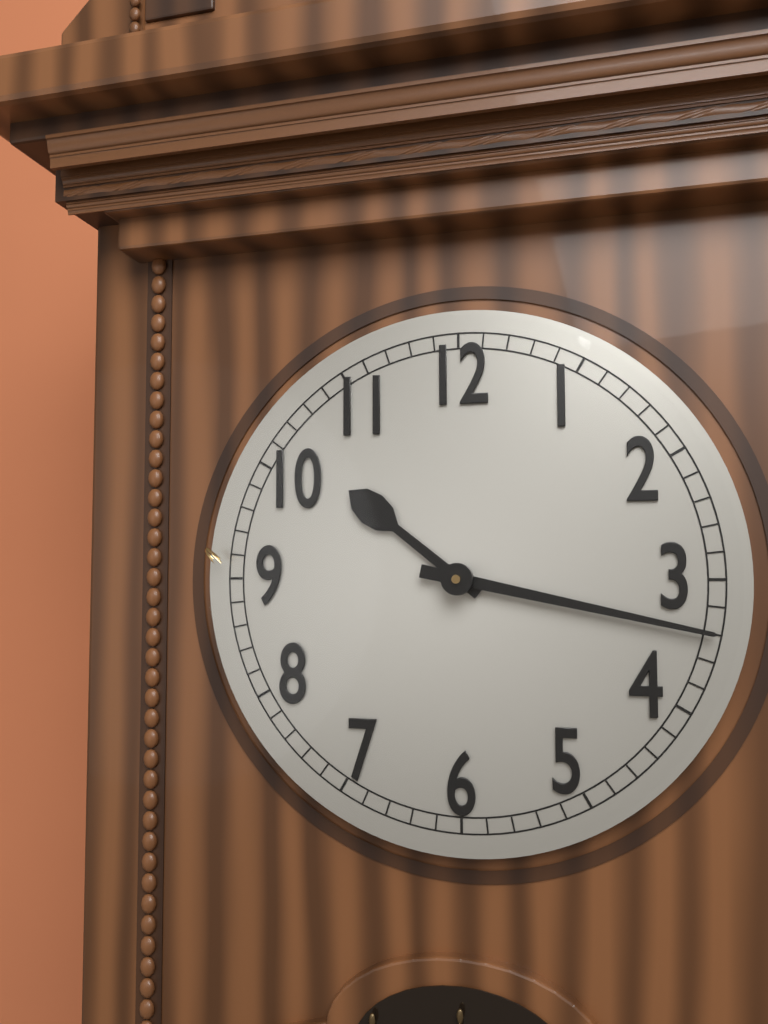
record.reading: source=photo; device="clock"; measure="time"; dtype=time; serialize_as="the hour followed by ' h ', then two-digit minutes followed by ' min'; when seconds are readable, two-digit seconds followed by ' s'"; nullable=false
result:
10 h 17 min
